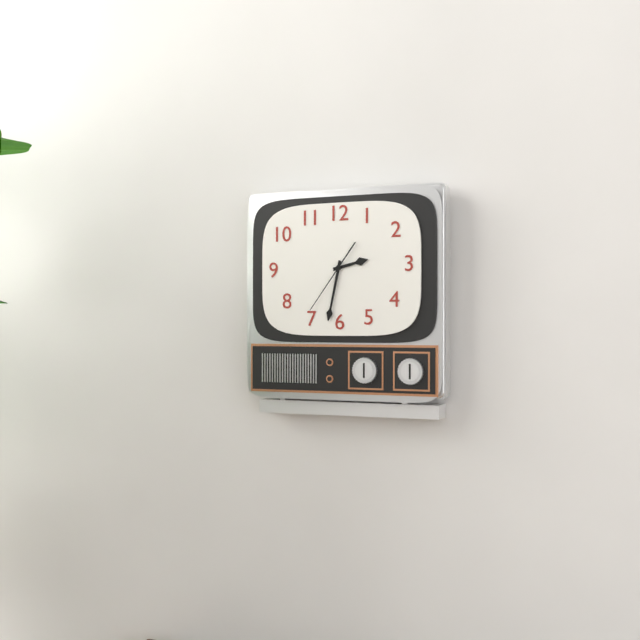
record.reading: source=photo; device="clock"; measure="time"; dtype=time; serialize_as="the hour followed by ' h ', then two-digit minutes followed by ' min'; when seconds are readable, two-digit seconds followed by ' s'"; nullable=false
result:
2 h 32 min 36 s
